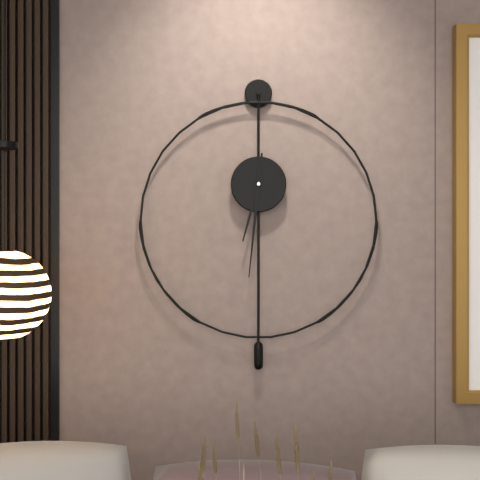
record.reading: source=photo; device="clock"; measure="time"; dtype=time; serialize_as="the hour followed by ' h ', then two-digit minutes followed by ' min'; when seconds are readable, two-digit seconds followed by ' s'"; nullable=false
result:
6 h 31 min
